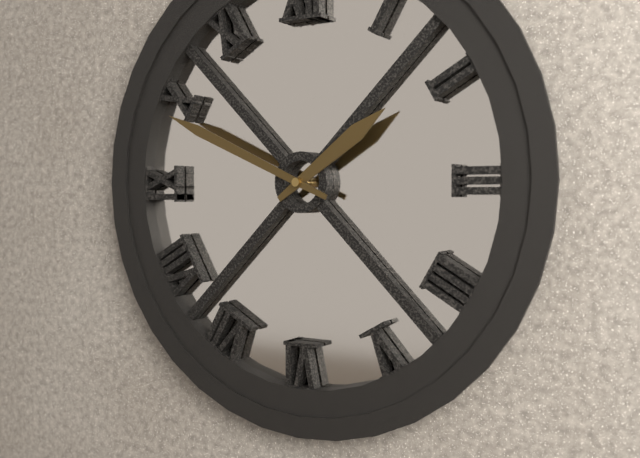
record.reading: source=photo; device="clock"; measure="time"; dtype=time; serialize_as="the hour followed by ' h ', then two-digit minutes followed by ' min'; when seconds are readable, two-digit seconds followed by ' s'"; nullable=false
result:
1 h 49 min
